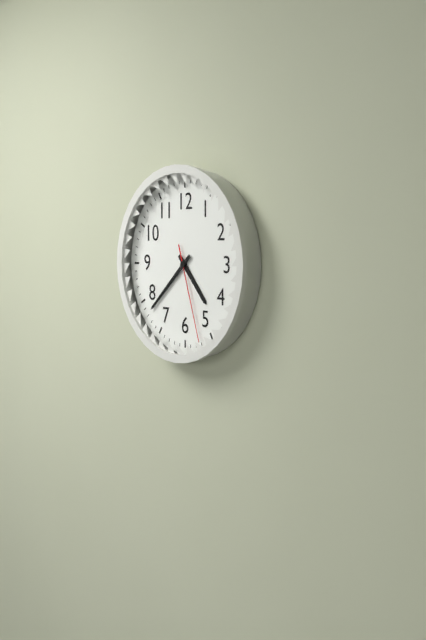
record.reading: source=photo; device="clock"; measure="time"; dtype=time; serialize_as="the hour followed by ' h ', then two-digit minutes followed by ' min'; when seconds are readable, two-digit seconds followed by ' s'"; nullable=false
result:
4 h 38 min 27 s
